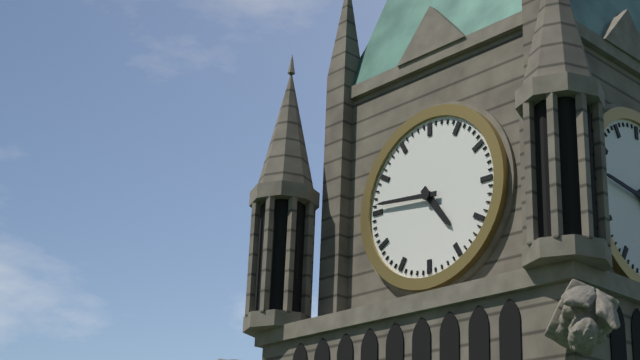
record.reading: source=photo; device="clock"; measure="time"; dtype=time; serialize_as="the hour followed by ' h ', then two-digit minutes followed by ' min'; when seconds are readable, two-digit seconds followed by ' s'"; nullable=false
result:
4 h 46 min
